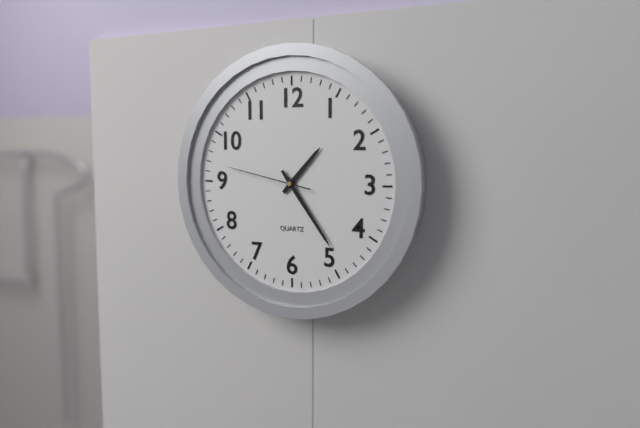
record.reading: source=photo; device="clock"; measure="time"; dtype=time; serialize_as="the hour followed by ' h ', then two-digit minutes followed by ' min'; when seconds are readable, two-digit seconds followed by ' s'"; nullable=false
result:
1 h 24 min 47 s
